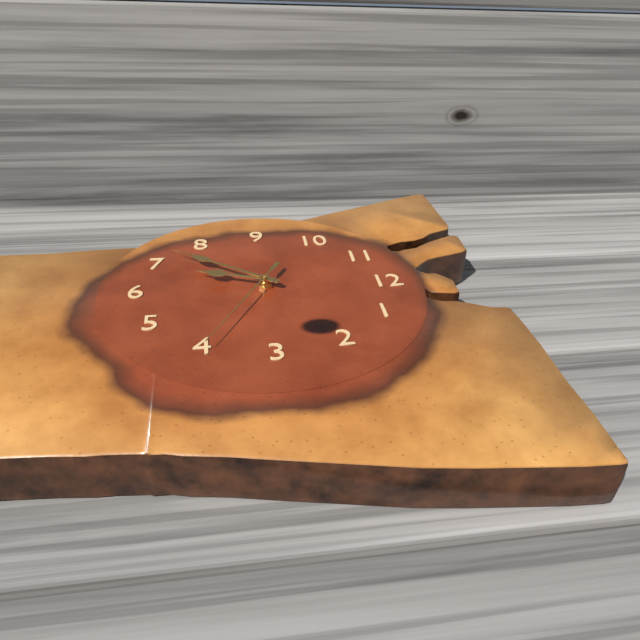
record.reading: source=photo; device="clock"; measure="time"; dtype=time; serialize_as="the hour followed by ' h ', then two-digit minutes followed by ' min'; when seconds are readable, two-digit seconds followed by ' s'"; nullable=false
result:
6 h 36 min 20 s
